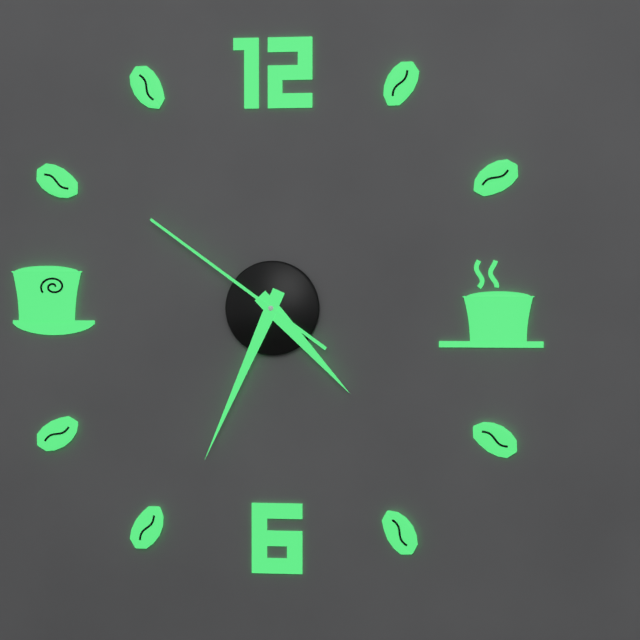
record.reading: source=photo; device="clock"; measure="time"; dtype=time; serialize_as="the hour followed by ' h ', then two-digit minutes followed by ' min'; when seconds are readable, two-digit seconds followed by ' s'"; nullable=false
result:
4 h 34 min 51 s
